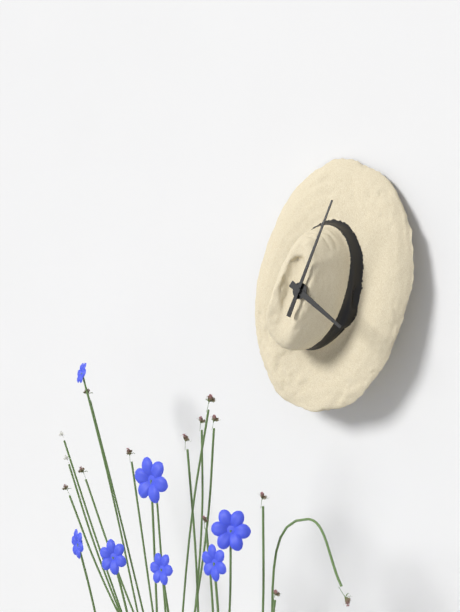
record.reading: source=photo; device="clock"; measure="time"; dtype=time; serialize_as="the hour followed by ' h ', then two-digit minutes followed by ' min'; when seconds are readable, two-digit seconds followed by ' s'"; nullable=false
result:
4 h 03 min
